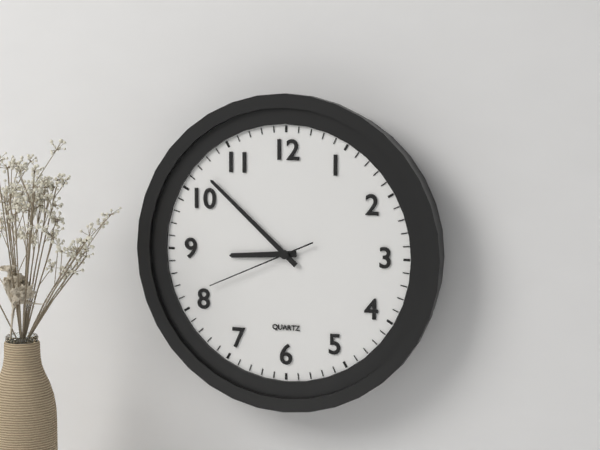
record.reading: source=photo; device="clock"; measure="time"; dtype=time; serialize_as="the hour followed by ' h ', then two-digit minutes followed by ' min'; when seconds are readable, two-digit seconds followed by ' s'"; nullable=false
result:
8 h 52 min 41 s
